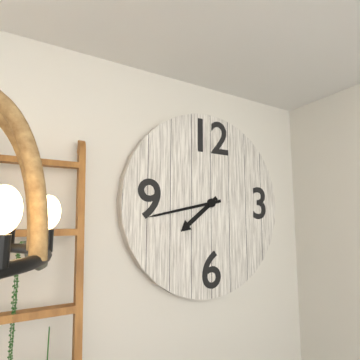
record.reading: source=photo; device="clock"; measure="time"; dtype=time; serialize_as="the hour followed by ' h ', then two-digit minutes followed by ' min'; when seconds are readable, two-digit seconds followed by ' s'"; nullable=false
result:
7 h 43 min
